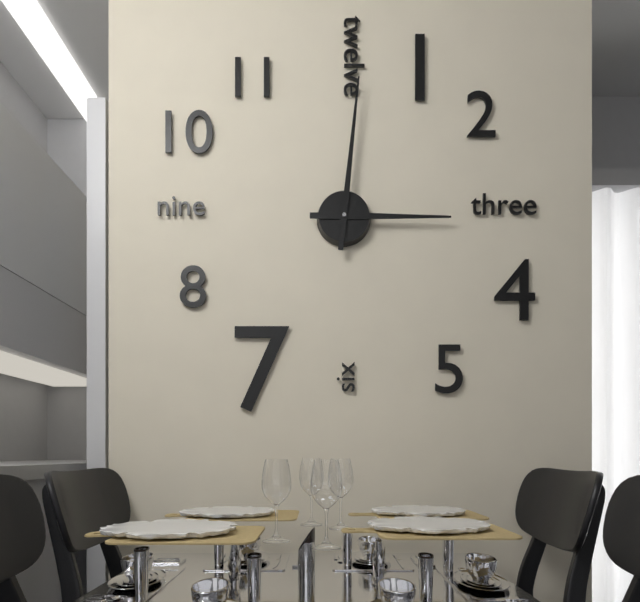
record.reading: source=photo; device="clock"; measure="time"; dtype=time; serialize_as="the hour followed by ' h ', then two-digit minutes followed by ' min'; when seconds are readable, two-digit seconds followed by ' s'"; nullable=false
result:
3 h 01 min
